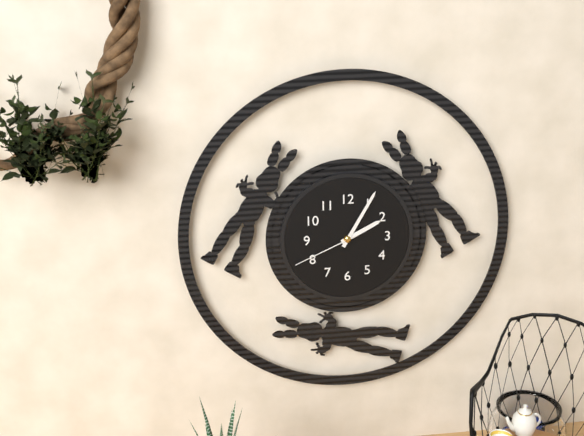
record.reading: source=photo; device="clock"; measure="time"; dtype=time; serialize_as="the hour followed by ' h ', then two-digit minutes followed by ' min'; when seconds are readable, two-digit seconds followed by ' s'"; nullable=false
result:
2 h 05 min 41 s
